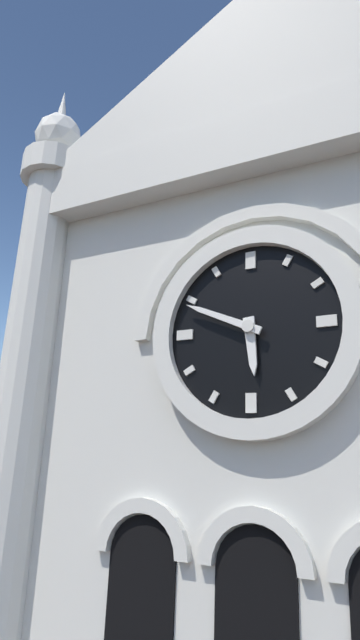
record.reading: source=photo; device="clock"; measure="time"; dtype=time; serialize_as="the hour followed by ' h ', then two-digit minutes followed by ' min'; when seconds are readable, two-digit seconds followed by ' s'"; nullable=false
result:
5 h 49 min
